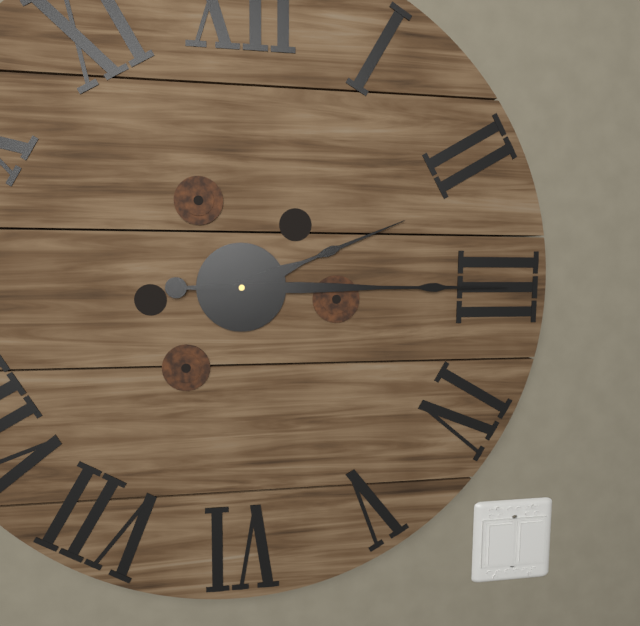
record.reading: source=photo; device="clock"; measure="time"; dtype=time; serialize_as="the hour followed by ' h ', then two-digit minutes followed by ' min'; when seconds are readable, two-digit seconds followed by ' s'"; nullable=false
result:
2 h 15 min
